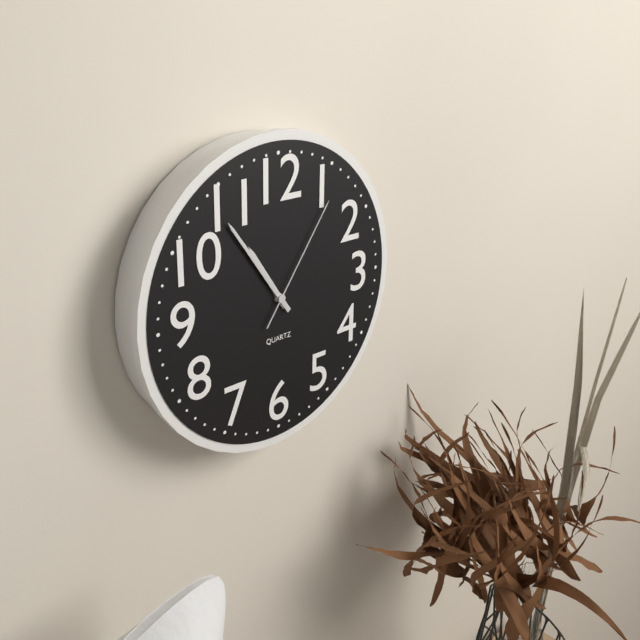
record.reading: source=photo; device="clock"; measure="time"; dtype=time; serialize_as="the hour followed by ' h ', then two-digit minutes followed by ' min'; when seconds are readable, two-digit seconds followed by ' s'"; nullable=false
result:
10 h 54 min 06 s
